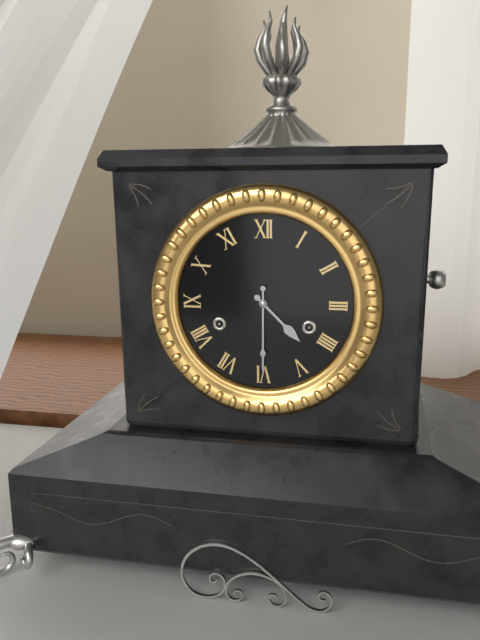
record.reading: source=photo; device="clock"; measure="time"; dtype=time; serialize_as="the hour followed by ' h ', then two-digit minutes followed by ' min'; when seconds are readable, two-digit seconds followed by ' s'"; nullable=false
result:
4 h 30 min
